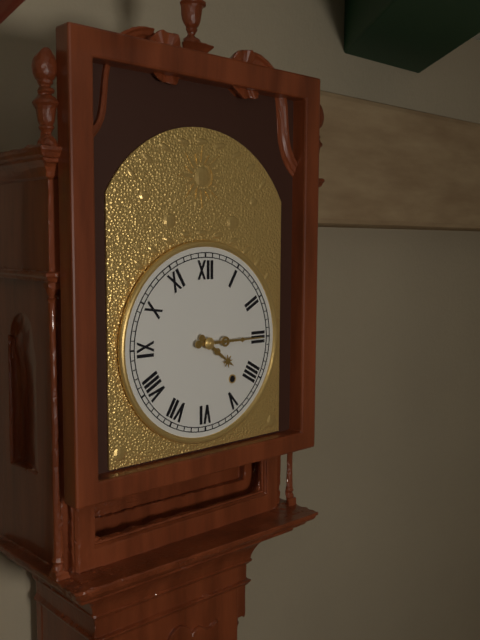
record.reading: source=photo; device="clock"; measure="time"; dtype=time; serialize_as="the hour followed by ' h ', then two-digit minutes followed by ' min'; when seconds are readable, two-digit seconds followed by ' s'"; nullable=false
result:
4 h 15 min
